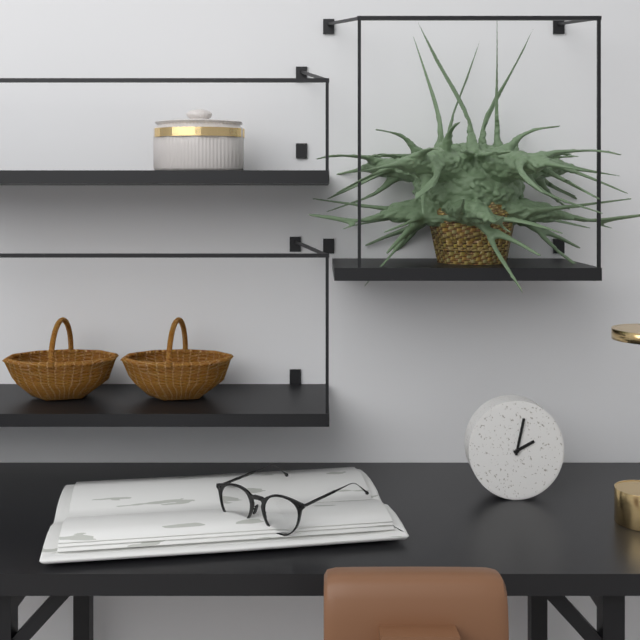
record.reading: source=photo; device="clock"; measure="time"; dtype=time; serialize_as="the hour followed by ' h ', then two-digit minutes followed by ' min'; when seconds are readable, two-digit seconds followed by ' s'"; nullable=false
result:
2 h 02 min
